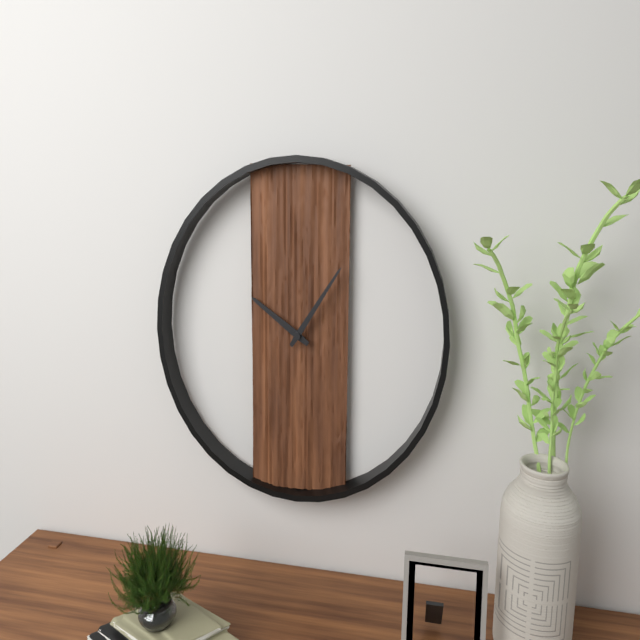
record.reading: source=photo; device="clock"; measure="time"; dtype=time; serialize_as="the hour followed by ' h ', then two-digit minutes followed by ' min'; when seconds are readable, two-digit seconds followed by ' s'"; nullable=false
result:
10 h 06 min
